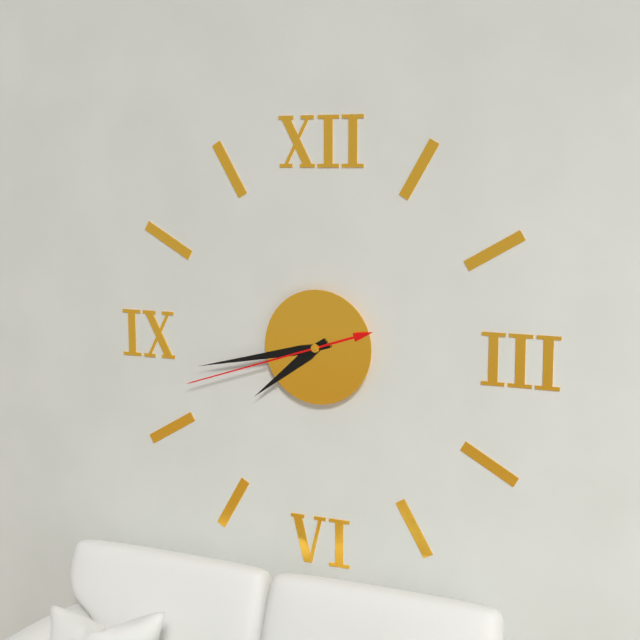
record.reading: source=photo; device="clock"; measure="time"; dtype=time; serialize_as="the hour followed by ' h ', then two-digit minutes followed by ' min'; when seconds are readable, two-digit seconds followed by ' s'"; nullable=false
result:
7 h 43 min 42 s
